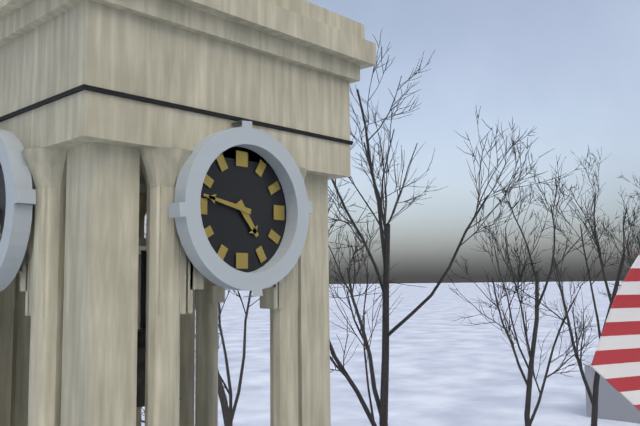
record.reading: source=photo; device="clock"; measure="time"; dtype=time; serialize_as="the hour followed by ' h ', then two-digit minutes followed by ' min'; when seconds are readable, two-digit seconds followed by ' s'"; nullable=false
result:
4 h 47 min
